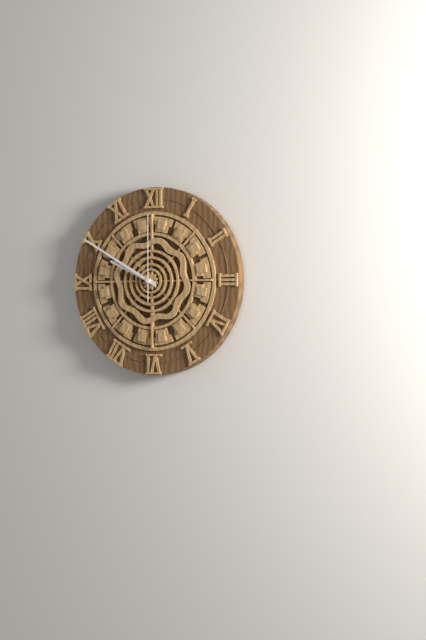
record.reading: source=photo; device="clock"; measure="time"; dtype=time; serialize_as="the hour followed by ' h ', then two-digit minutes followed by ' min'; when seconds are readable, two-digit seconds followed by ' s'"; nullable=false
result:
9 h 50 min 00 s
